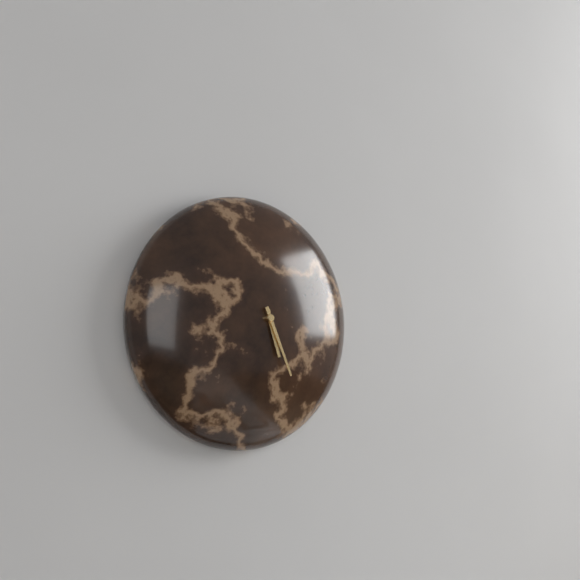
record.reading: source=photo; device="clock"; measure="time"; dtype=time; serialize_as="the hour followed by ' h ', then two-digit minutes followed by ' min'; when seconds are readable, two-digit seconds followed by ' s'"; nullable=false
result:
5 h 26 min
